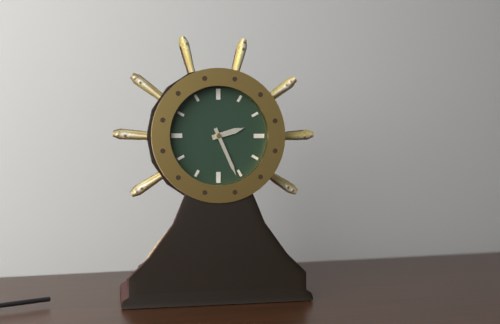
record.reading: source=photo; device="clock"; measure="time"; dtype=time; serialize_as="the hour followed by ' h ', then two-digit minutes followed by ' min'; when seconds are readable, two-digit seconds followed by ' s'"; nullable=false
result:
2 h 26 min
